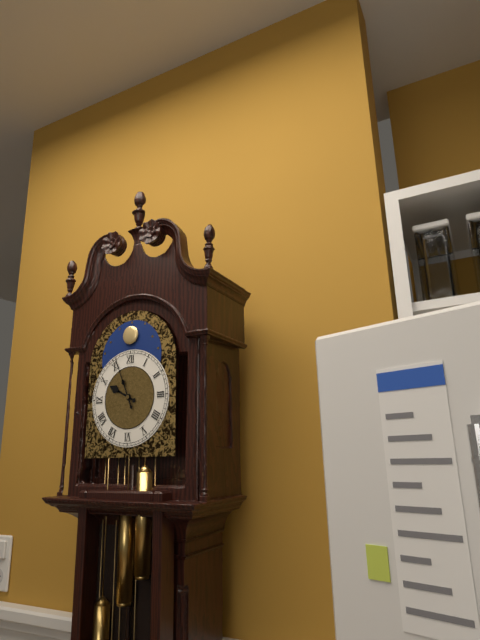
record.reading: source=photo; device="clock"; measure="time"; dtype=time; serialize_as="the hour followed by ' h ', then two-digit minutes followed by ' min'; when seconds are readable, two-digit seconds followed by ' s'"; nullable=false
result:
9 h 56 min
